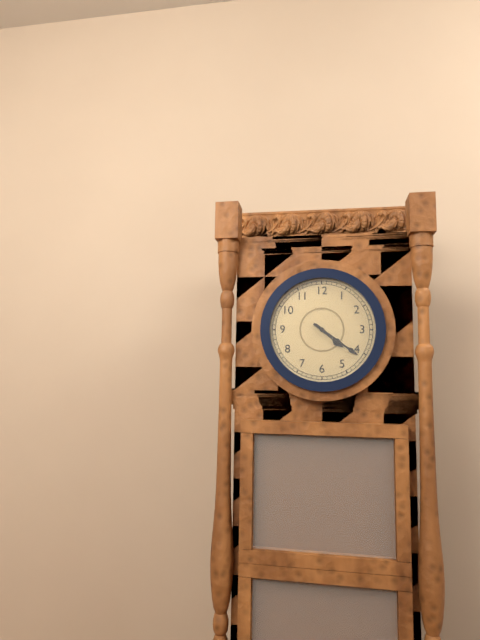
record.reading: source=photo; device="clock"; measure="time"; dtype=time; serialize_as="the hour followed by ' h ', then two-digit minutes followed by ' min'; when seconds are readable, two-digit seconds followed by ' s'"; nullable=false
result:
4 h 21 min
